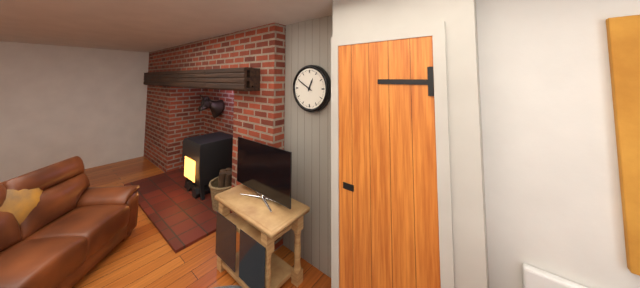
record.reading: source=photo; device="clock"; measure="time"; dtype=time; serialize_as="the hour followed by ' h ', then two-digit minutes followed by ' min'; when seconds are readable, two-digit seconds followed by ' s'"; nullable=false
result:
12 h 50 min
